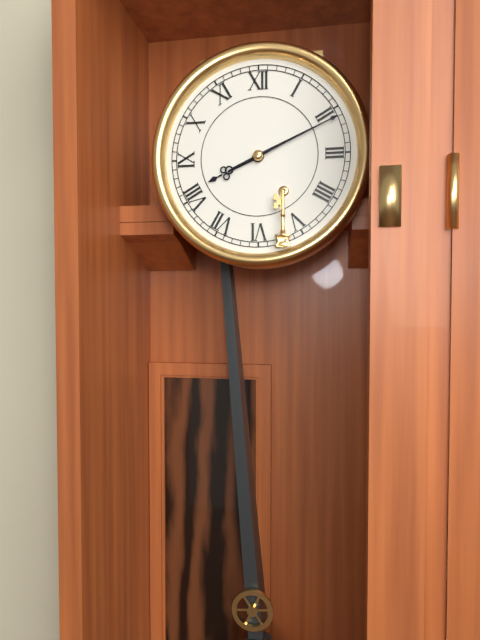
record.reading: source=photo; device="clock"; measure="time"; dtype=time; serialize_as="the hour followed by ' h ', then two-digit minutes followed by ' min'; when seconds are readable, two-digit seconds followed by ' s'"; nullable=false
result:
8 h 11 min
